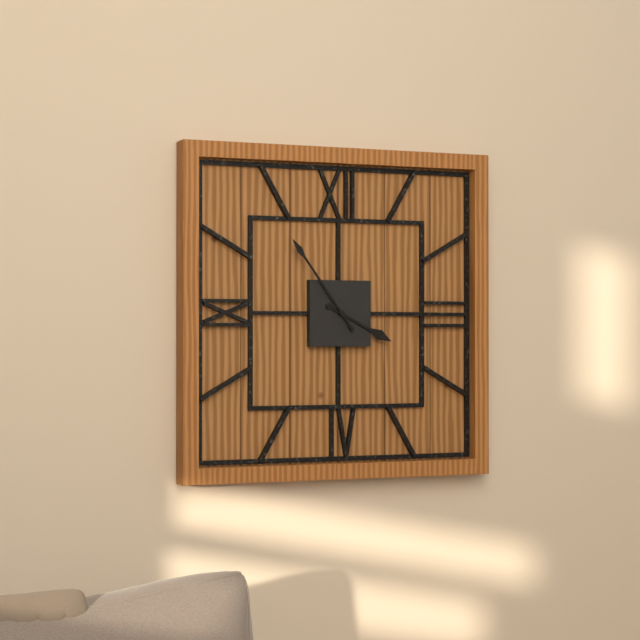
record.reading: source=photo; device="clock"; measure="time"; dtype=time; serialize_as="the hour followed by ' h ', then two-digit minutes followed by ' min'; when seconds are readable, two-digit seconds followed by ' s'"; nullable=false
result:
3 h 54 min
